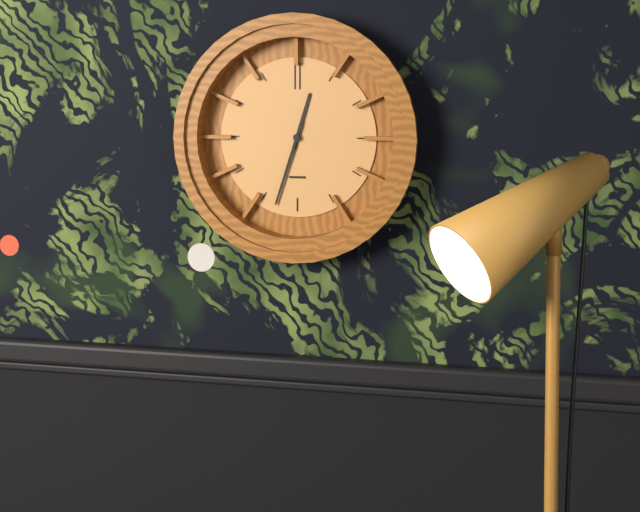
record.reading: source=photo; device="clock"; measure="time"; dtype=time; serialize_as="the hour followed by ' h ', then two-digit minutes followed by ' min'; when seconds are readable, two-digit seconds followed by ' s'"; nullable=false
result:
12 h 33 min
